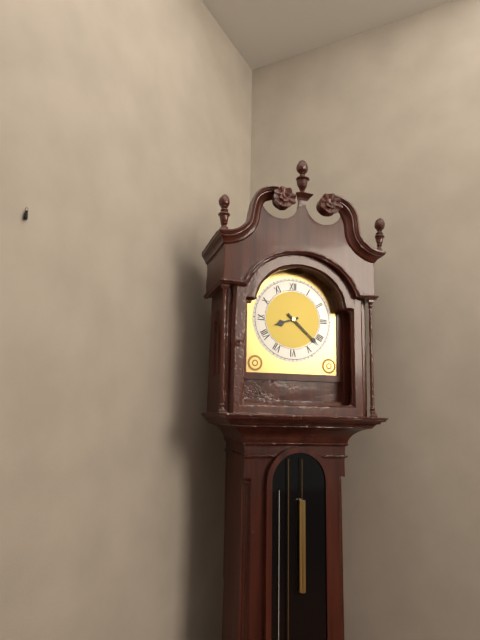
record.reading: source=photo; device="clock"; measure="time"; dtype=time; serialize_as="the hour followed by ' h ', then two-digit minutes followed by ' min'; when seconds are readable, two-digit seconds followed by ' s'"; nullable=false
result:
8 h 22 min
